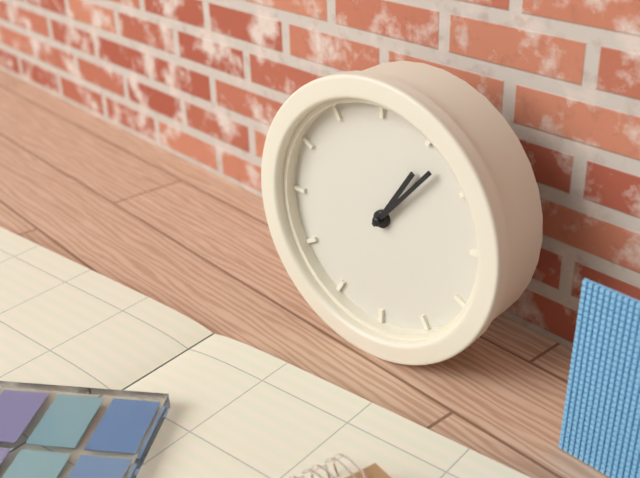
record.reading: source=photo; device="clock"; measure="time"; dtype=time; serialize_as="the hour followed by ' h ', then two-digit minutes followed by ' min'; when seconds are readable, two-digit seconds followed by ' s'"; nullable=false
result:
1 h 07 min
